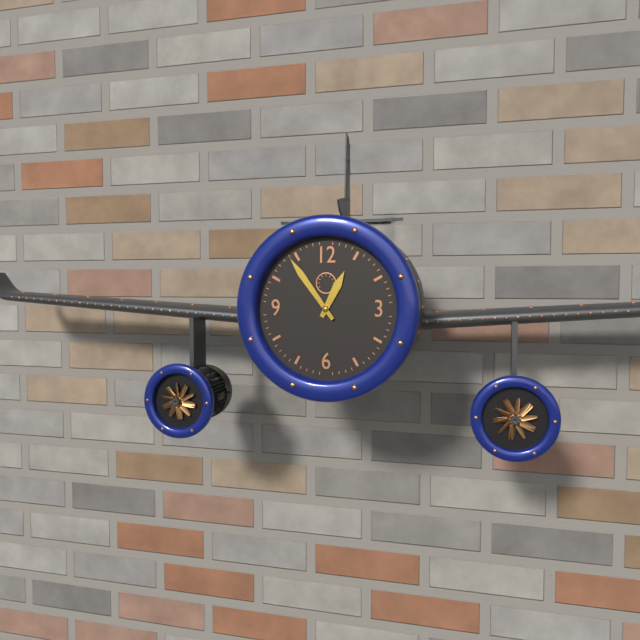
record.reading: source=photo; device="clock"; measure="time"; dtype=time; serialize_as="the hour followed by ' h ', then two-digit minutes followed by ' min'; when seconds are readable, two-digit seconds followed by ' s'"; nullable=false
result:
12 h 54 min
